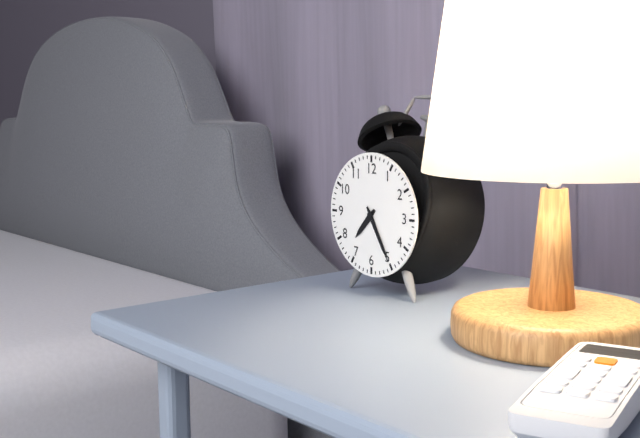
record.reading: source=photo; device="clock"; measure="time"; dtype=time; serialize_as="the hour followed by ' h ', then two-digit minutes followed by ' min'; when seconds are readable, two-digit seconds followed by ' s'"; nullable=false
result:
7 h 25 min
